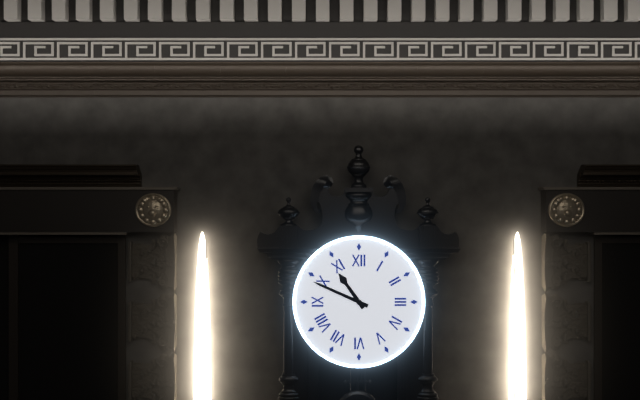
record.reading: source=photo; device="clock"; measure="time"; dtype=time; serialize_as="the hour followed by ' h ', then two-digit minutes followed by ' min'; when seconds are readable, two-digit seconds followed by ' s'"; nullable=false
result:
10 h 49 min
